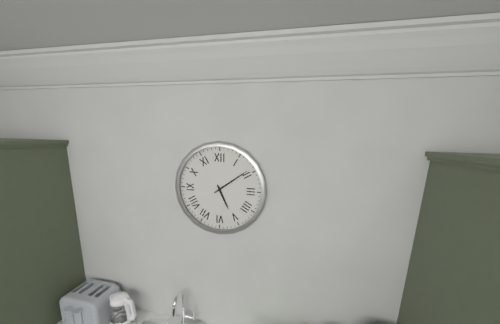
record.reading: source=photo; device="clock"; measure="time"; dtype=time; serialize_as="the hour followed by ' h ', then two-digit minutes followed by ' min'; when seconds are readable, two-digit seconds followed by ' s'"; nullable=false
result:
5 h 09 min
